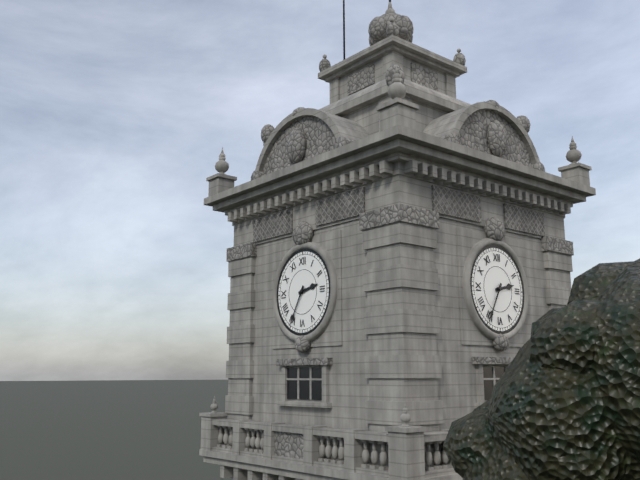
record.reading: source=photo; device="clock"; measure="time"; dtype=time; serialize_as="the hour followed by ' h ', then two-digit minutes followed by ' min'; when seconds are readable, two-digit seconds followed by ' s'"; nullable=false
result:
2 h 35 min
